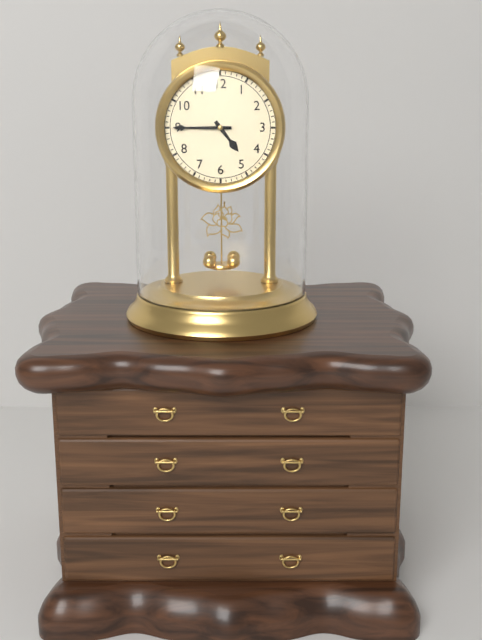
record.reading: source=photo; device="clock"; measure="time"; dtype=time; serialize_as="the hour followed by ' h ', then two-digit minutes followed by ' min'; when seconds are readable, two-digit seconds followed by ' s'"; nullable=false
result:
4 h 45 min
